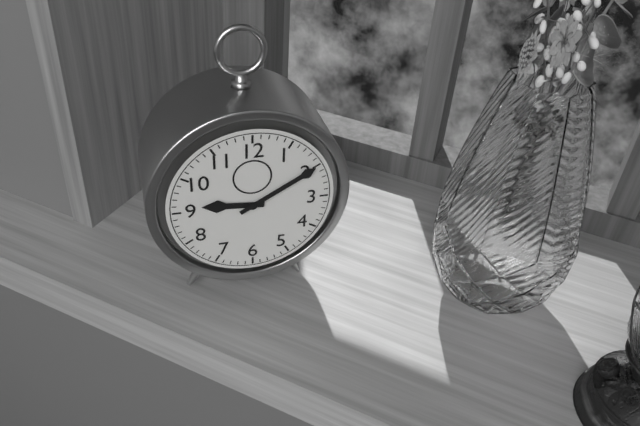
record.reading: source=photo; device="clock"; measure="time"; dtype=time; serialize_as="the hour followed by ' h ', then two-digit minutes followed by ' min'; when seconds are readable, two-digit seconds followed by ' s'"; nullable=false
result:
9 h 10 min
